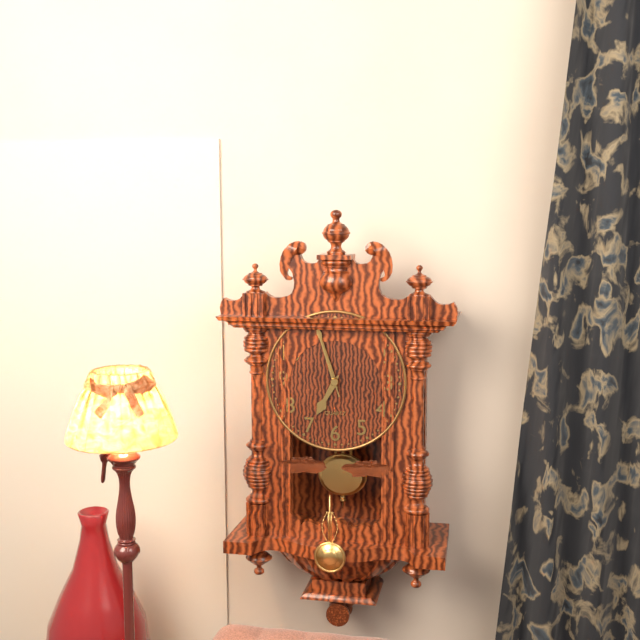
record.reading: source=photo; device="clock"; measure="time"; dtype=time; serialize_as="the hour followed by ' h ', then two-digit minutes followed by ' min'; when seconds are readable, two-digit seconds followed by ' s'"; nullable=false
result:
6 h 57 min 57 s
